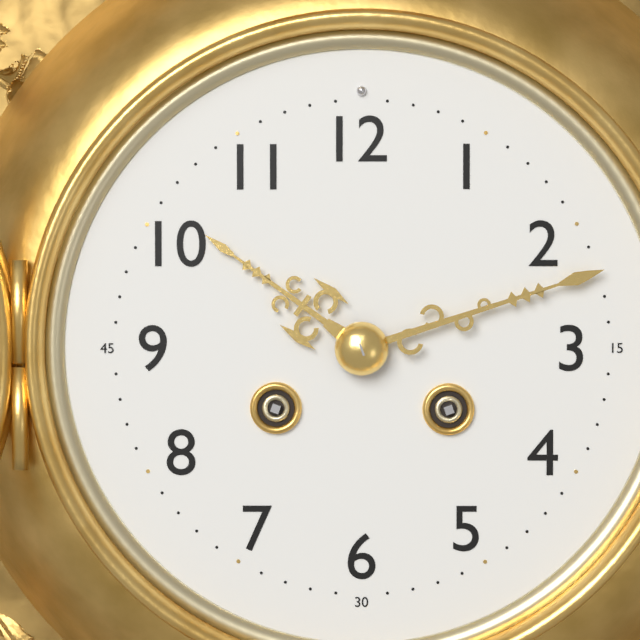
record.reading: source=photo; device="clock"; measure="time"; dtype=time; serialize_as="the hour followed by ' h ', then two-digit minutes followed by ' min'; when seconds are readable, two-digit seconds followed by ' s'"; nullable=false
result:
10 h 12 min
